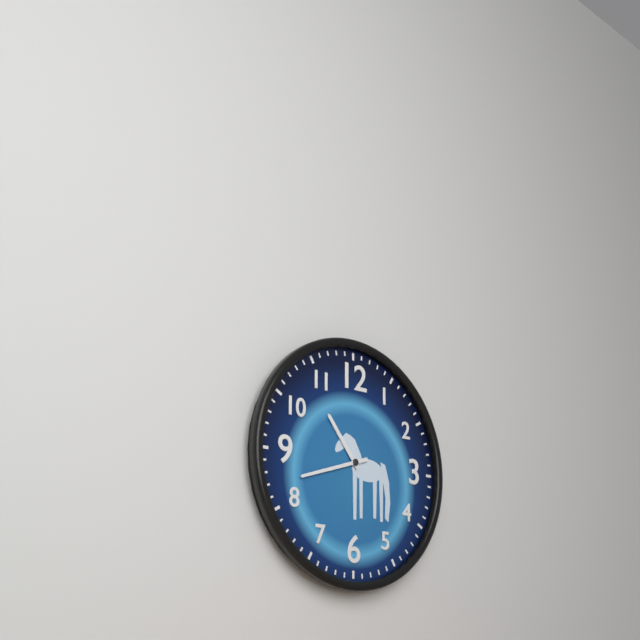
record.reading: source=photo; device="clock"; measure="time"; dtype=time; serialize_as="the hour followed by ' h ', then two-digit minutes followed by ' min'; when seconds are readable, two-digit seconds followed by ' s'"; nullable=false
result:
10 h 42 min
